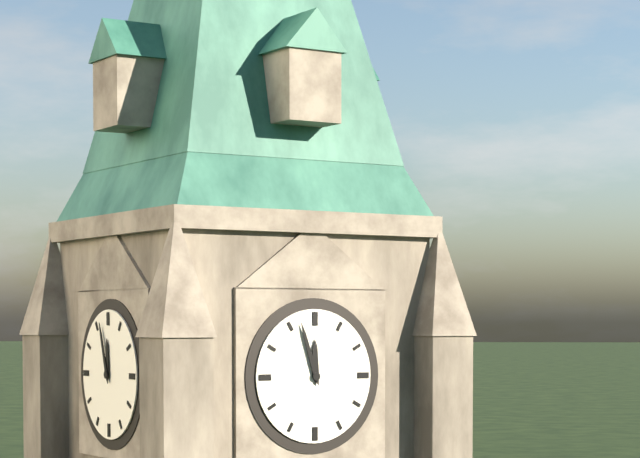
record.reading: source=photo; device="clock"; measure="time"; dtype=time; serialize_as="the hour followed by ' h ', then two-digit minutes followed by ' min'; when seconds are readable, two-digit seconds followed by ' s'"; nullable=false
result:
11 h 57 min
